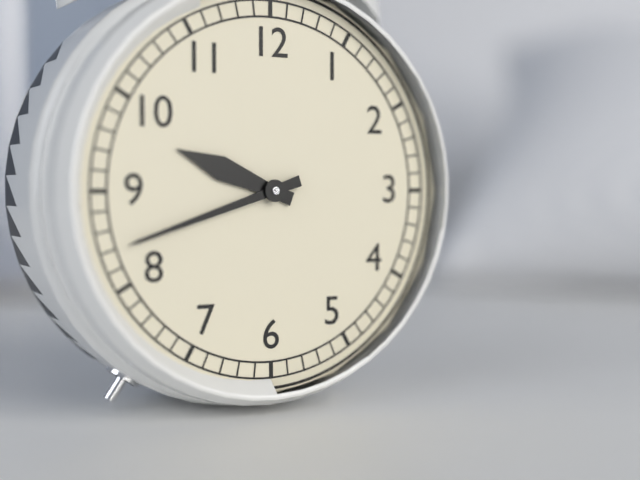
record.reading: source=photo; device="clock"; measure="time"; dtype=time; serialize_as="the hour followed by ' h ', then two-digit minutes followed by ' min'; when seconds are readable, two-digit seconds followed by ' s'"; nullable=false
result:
9 h 42 min
